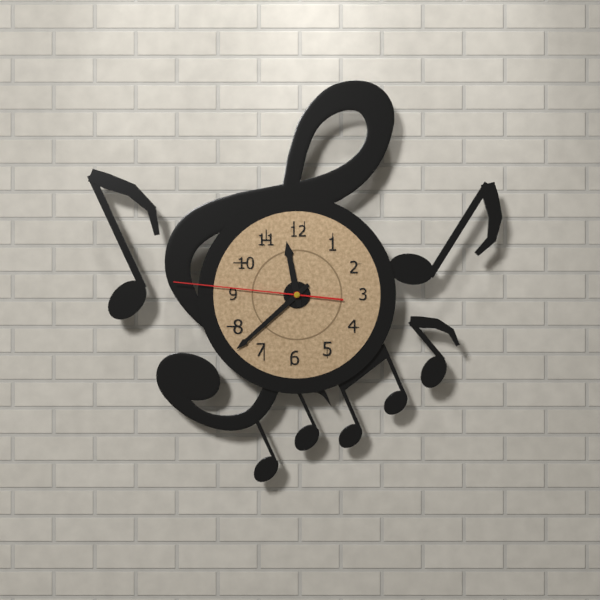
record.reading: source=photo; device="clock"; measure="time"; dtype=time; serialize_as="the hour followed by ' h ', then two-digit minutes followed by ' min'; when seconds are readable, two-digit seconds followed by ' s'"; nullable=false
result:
11 h 38 min 46 s
